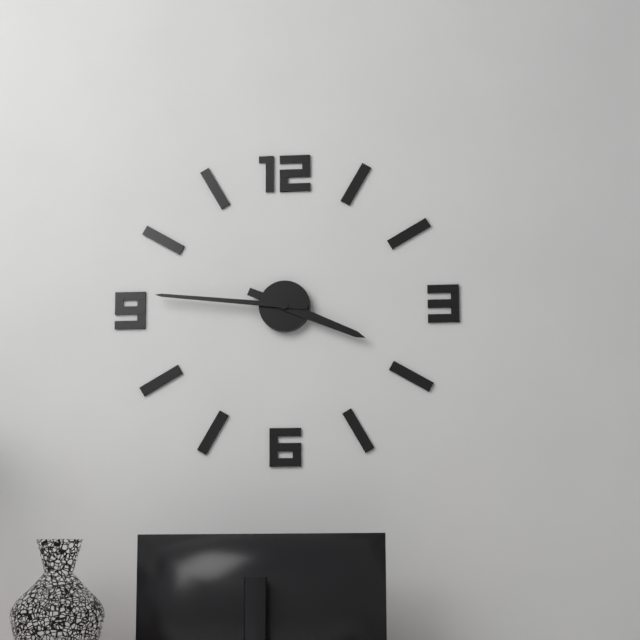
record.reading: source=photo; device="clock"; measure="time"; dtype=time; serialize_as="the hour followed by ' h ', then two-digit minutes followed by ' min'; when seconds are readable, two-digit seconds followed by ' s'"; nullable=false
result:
3 h 46 min
